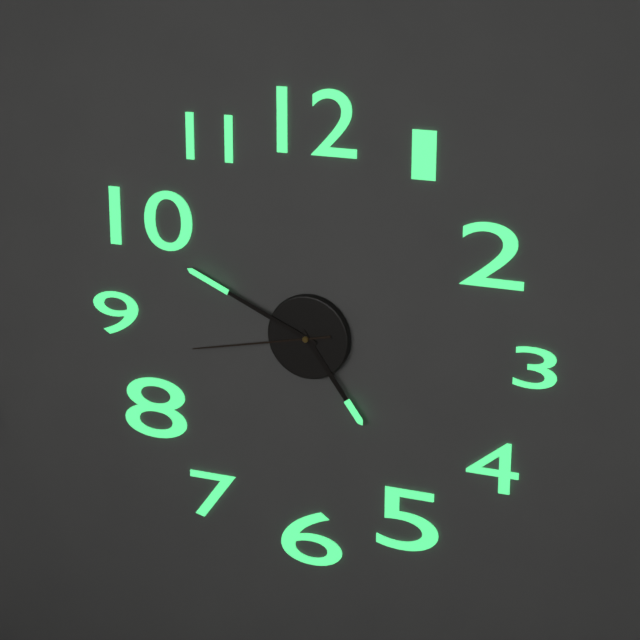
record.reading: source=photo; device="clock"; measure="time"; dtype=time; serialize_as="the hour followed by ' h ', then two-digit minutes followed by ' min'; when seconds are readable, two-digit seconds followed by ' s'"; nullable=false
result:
4 h 49 min 43 s
